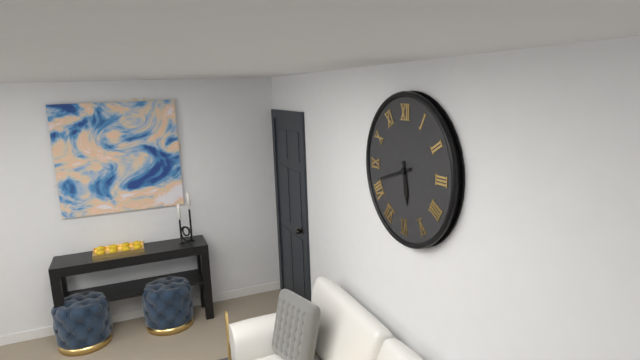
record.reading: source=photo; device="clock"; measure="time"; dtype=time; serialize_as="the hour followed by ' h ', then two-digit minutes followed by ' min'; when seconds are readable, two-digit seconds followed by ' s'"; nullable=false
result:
5 h 42 min
